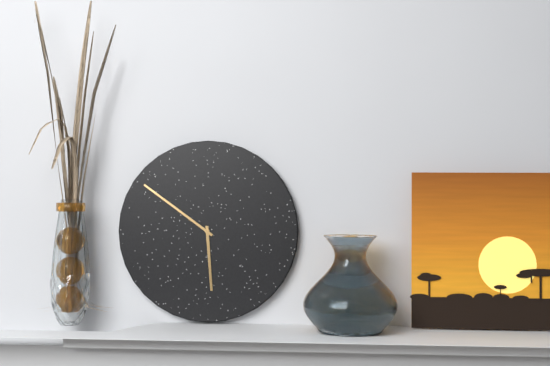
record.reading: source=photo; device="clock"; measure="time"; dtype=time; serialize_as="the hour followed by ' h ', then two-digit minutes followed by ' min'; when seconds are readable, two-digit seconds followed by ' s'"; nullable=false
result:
5 h 51 min
